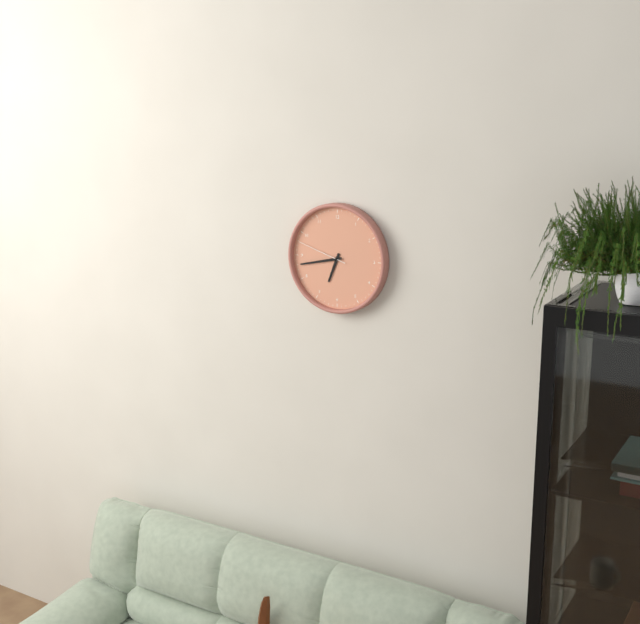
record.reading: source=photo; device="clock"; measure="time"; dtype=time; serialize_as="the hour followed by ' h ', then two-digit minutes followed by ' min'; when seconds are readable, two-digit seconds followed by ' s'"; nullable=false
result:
6 h 43 min 48 s
